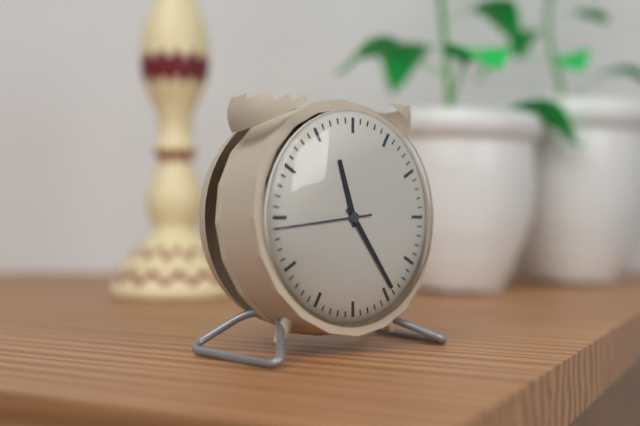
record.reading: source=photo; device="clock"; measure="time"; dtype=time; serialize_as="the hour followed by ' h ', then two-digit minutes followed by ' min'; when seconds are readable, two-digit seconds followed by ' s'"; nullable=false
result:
11 h 24 min 44 s
